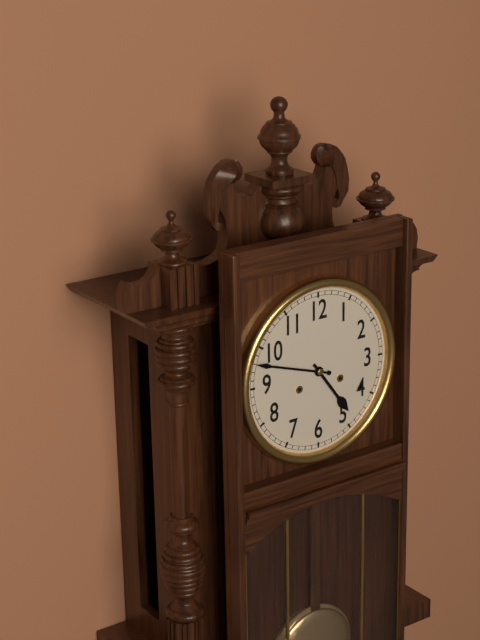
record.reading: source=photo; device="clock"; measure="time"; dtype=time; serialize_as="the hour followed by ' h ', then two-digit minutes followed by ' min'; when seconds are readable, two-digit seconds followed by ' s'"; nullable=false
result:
4 h 48 min
